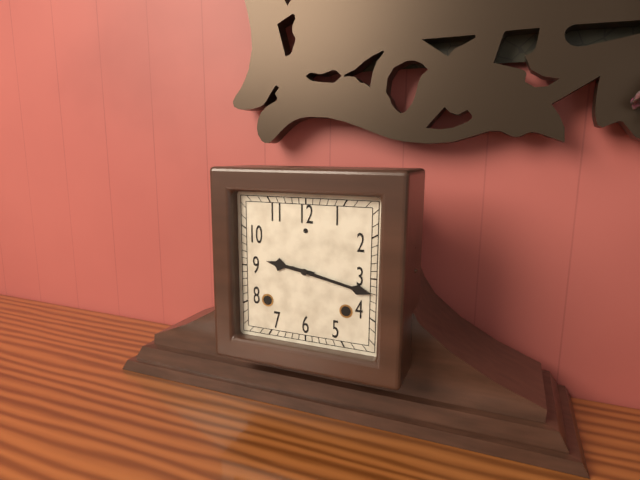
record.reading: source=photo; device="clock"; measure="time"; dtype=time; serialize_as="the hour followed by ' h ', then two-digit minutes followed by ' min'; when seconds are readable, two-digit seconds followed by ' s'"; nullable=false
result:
9 h 17 min
